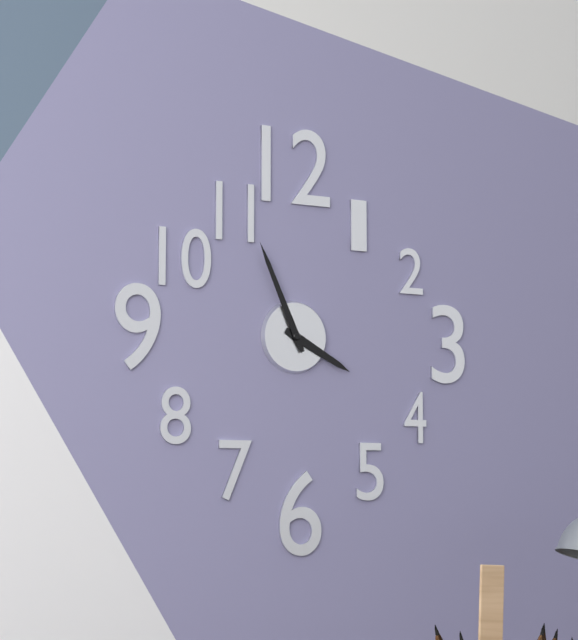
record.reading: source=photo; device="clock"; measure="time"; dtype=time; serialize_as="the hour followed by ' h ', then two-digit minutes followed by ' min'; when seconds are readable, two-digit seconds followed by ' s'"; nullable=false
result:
3 h 56 min
